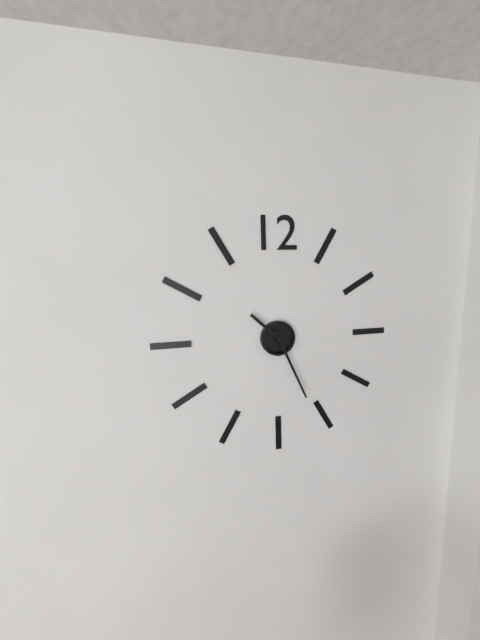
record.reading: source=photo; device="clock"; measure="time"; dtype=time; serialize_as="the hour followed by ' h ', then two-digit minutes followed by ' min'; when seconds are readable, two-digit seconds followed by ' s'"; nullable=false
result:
10 h 26 min
